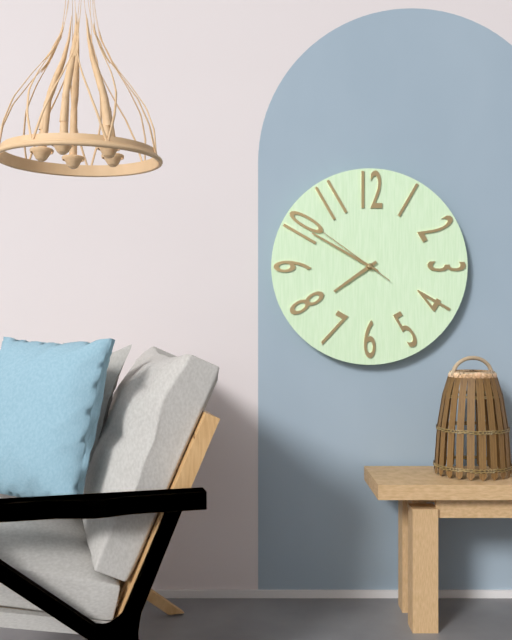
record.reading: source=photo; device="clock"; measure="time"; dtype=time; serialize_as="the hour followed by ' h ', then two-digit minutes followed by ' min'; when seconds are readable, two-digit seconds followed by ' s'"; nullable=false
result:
7 h 50 min 51 s
